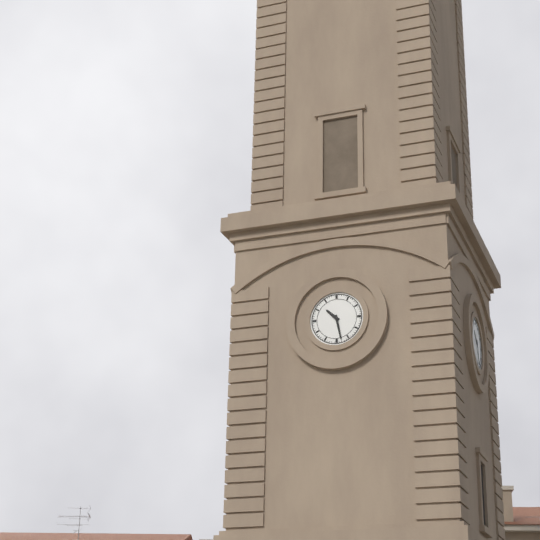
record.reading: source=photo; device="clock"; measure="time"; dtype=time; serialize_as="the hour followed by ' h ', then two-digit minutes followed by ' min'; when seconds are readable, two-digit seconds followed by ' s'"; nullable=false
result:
10 h 28 min
